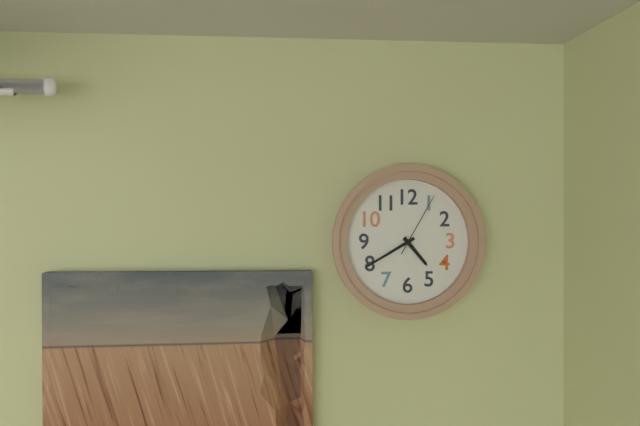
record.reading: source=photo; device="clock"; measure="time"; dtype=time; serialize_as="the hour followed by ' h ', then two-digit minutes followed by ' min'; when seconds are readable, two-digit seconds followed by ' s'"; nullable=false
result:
4 h 40 min 05 s
